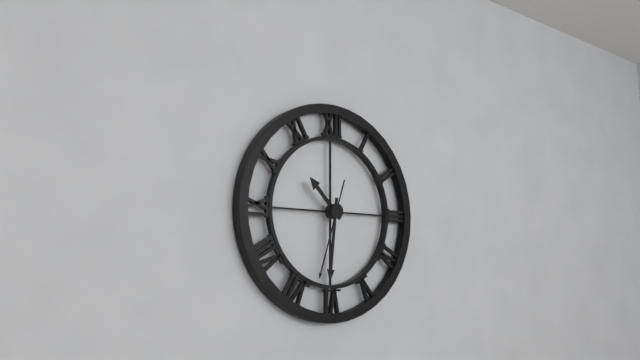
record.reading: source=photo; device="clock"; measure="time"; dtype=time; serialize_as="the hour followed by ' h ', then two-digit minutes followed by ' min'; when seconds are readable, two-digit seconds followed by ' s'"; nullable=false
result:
10 h 31 min 33 s
